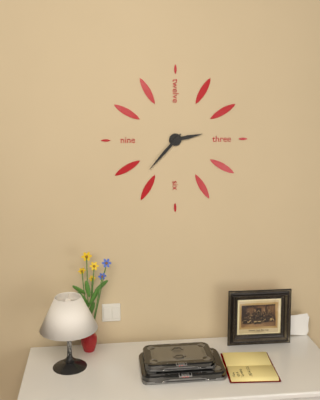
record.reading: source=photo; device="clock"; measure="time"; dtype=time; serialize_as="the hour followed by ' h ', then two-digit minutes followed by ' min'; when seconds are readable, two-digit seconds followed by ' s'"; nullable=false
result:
2 h 37 min
